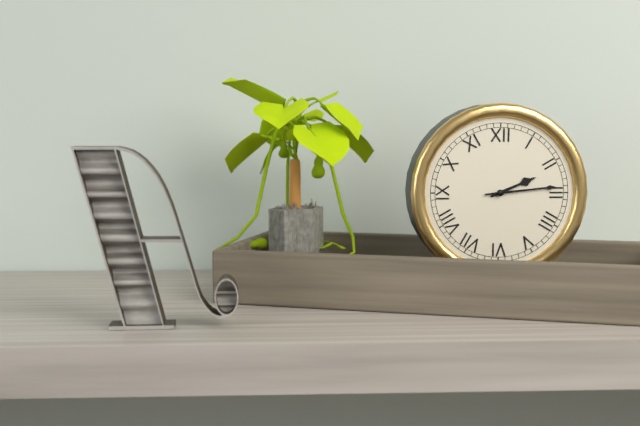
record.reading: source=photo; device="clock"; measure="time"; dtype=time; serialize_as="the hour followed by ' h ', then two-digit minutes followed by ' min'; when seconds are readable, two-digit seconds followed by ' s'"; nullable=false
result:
2 h 14 min
